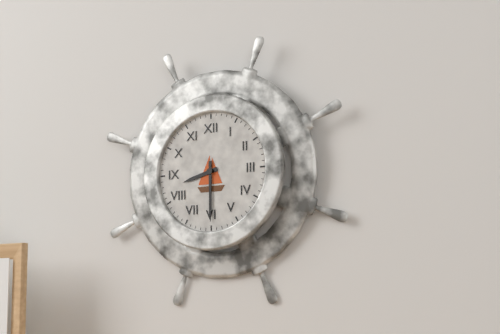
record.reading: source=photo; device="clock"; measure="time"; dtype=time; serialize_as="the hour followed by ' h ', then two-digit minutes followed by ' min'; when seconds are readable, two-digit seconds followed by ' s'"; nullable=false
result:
8 h 30 min
